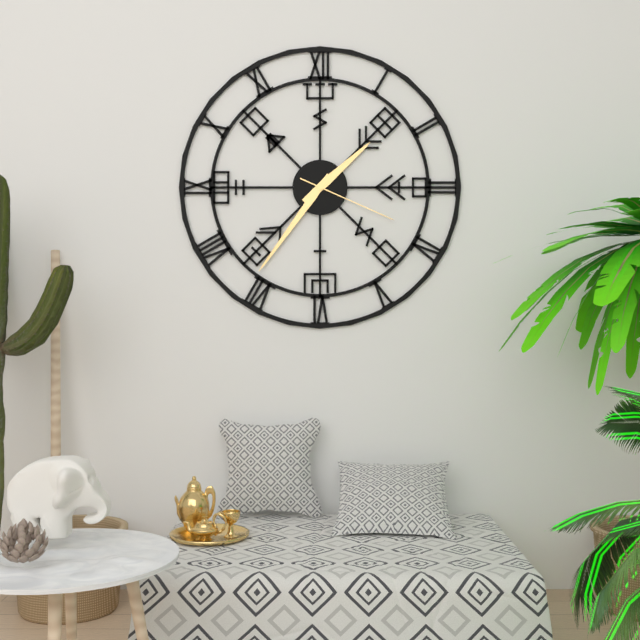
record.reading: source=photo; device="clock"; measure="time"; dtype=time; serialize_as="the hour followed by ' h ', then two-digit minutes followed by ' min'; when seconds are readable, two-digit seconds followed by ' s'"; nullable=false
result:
1 h 36 min 19 s
